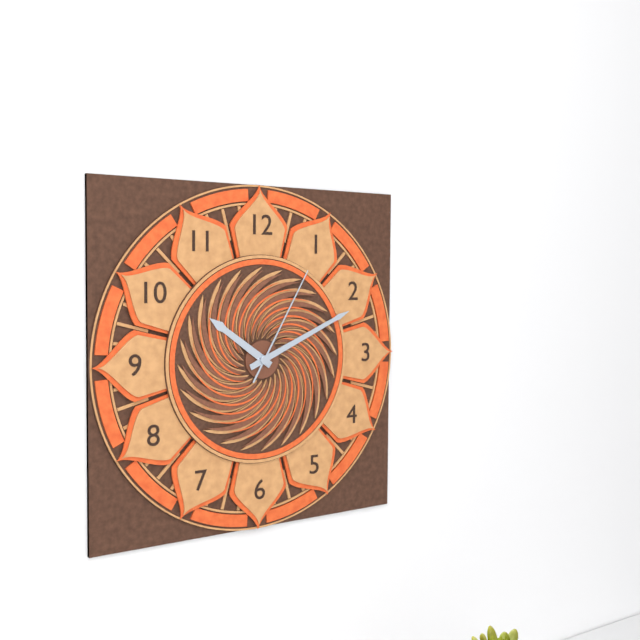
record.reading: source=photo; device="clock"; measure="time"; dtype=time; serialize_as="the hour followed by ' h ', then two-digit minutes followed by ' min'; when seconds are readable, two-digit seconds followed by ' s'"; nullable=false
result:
10 h 11 min 05 s
